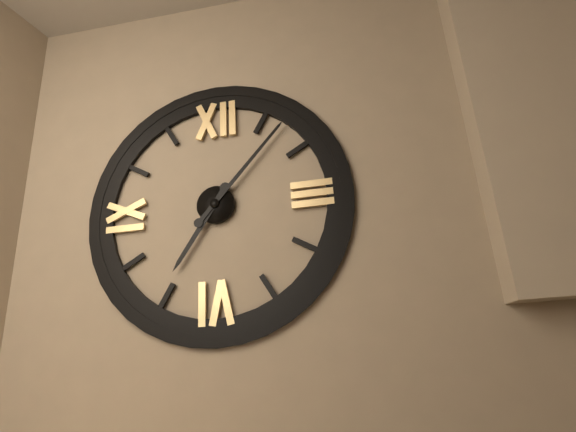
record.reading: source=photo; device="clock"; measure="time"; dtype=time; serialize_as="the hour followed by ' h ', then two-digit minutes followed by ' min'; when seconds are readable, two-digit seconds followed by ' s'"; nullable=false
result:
7 h 07 min
